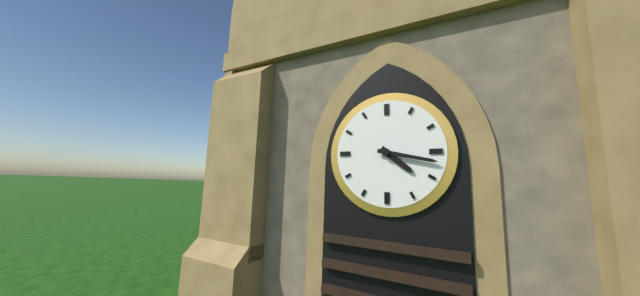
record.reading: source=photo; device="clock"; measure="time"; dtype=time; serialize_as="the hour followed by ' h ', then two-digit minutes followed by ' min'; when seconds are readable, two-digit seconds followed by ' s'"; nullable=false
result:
4 h 17 min
